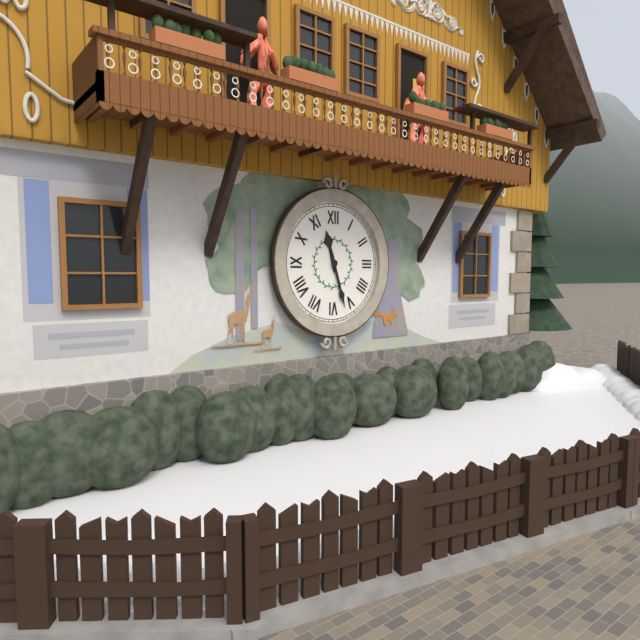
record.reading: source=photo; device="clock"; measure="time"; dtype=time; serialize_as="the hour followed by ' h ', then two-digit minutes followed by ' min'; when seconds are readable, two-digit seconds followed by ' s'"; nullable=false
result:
11 h 27 min
